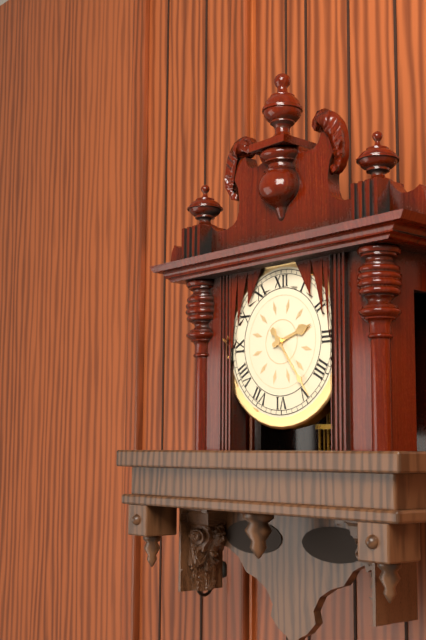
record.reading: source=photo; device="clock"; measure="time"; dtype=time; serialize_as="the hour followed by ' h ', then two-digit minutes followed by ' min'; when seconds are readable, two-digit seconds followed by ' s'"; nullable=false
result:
2 h 24 min
